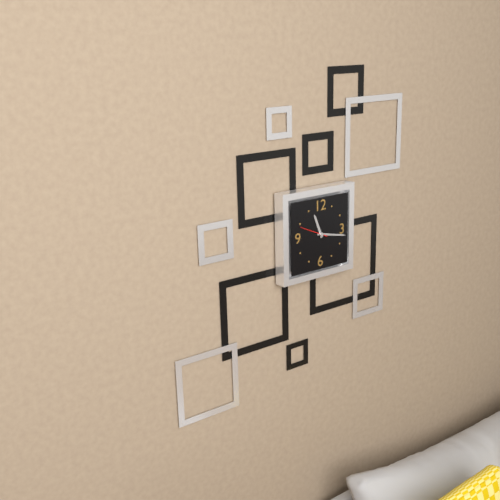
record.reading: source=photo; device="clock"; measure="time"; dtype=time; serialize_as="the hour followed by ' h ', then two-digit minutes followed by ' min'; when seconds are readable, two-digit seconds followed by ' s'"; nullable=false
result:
11 h 17 min
